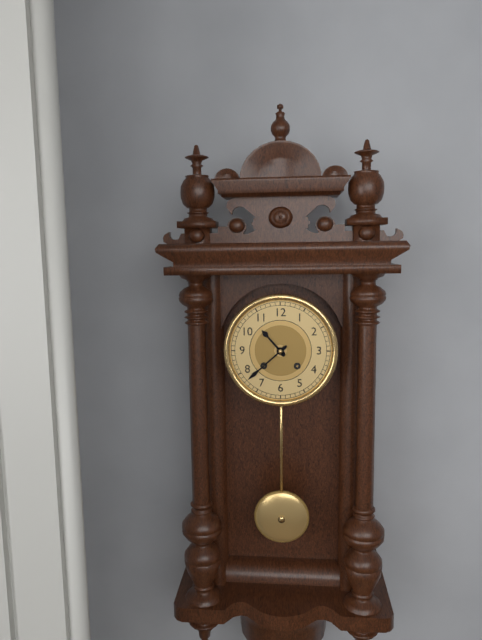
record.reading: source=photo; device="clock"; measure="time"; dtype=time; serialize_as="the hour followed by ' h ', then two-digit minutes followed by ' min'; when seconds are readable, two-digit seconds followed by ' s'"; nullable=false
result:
10 h 38 min
